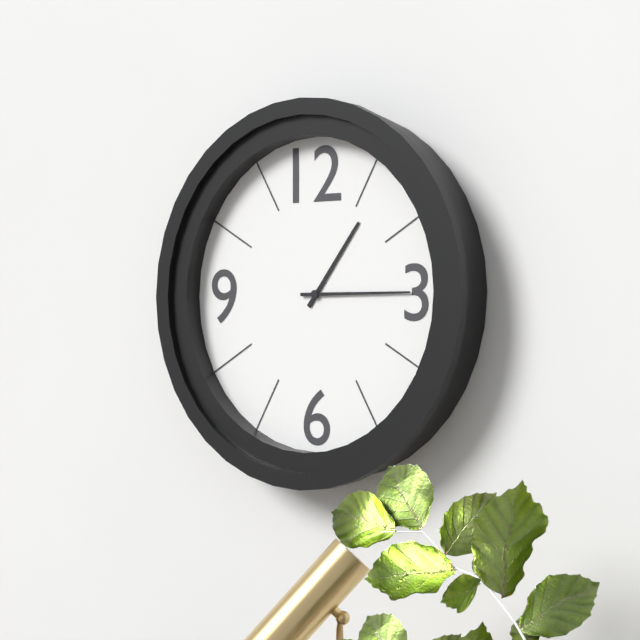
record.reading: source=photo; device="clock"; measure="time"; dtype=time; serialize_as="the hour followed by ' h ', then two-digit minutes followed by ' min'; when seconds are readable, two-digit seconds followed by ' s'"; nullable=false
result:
1 h 15 min
